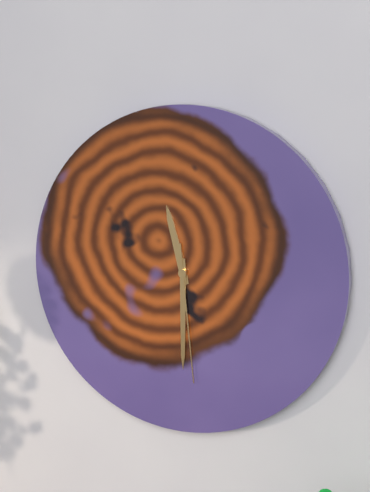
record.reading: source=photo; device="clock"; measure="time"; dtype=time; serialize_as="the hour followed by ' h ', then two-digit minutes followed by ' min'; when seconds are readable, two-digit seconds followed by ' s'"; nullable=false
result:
11 h 30 min 29 s
